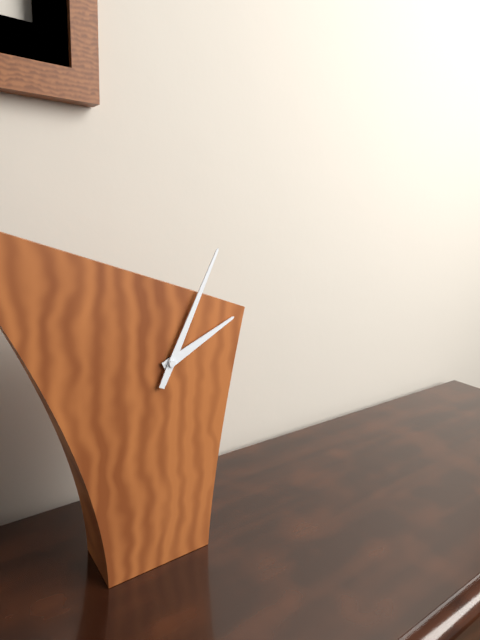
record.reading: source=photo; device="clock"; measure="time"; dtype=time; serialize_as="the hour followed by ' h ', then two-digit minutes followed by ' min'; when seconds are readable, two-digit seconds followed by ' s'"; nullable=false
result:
2 h 04 min
